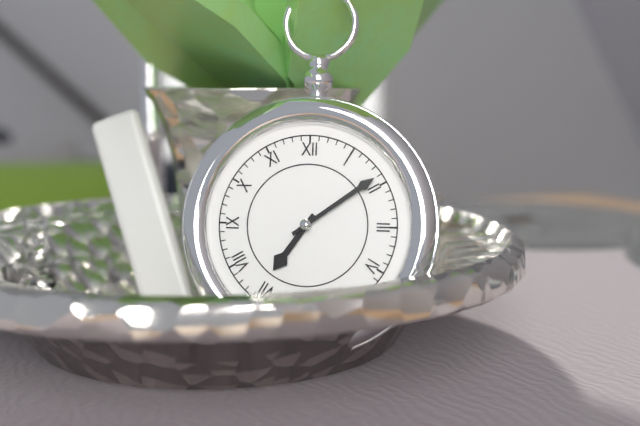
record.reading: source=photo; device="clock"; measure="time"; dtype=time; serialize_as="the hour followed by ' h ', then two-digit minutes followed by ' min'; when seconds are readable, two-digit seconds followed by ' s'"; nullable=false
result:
7 h 09 min
